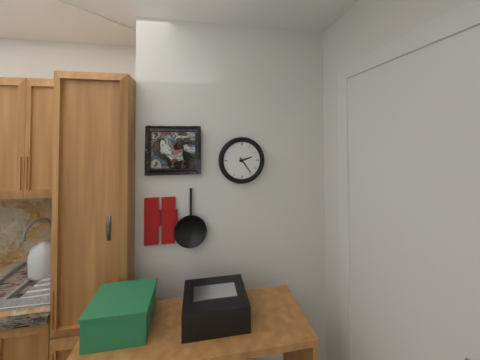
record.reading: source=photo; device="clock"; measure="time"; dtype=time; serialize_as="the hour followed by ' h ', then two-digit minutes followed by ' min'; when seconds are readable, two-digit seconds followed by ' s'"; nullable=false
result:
2 h 24 min
